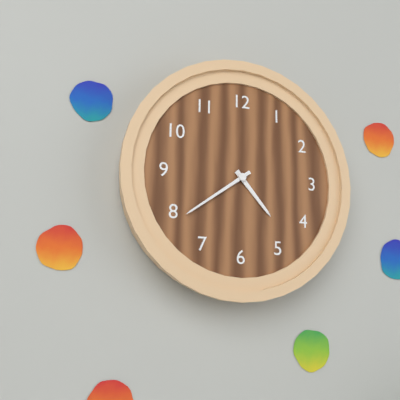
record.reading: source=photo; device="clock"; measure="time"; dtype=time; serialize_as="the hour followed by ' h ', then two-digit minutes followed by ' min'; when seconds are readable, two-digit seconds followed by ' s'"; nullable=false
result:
4 h 39 min
